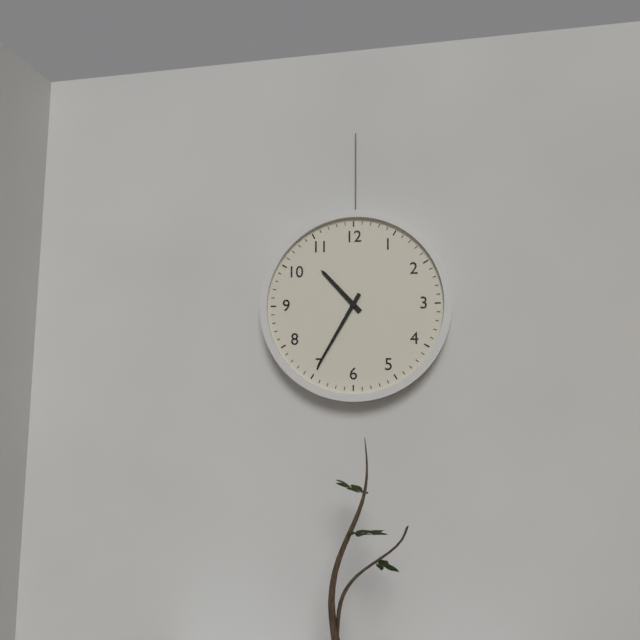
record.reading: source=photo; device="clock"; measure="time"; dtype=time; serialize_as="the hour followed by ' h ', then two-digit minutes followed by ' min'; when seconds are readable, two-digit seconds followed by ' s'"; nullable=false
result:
10 h 35 min
